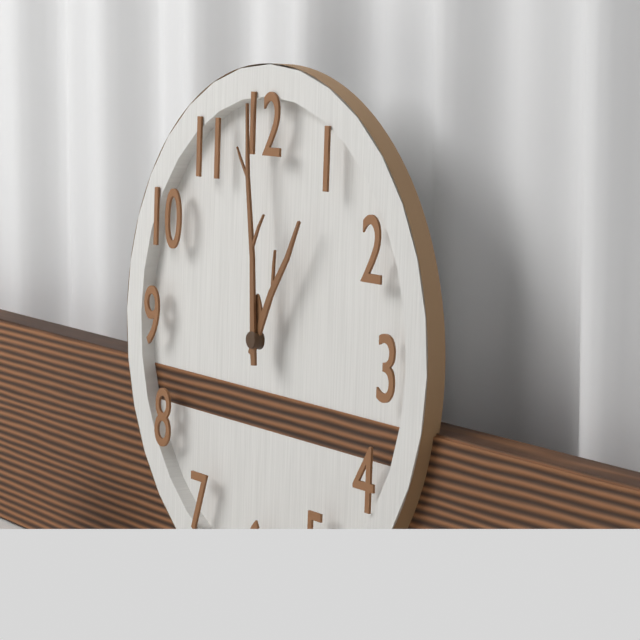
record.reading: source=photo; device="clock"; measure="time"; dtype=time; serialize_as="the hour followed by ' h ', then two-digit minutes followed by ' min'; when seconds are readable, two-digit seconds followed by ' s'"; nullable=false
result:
12 h 59 min
